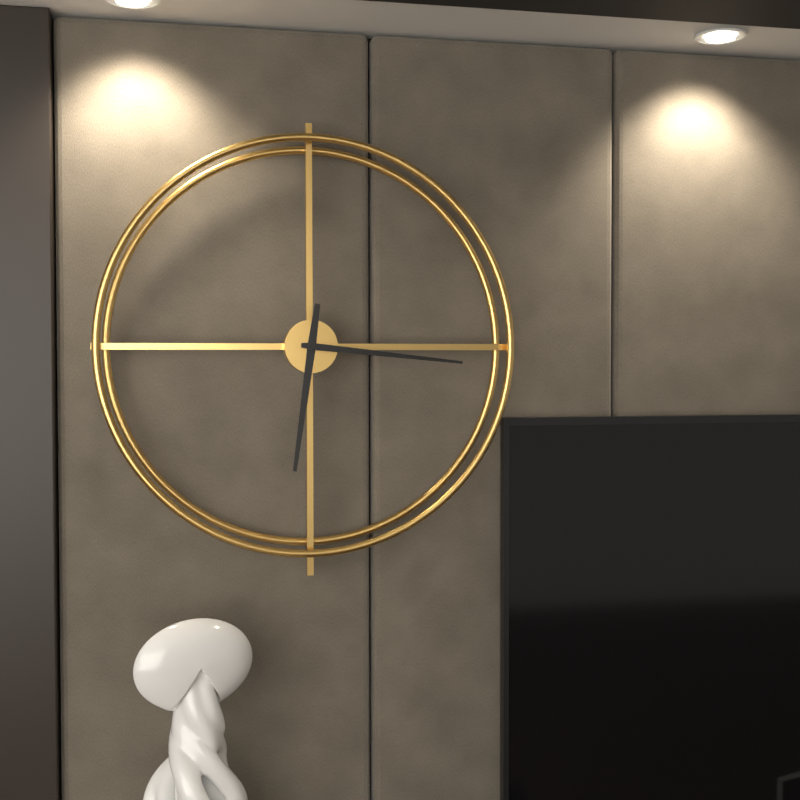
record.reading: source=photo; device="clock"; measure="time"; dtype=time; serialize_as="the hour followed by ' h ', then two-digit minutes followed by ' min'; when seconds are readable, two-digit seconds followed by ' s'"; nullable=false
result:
6 h 16 min
